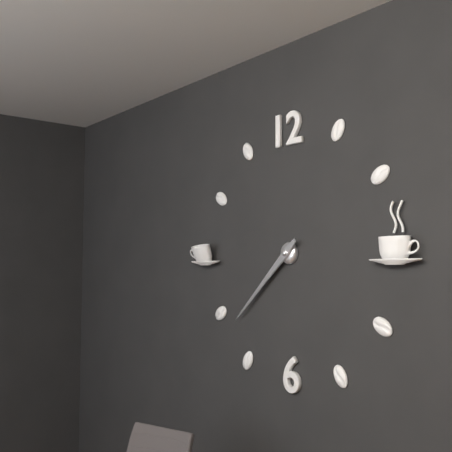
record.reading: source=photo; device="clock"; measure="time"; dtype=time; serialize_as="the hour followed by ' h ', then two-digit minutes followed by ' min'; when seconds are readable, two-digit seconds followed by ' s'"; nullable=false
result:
7 h 38 min
